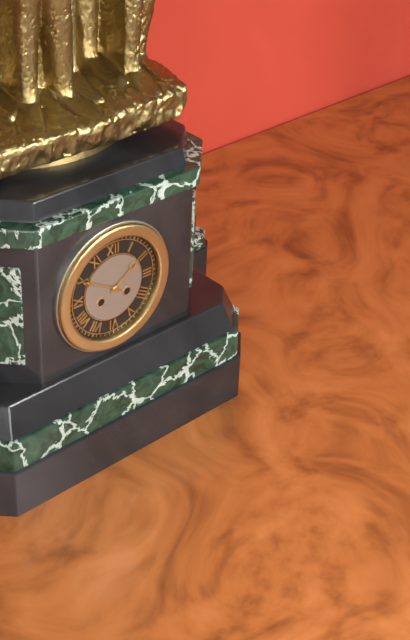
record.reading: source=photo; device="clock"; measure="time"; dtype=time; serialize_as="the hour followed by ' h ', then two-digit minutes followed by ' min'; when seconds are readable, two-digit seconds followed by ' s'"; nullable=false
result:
1 h 50 min
